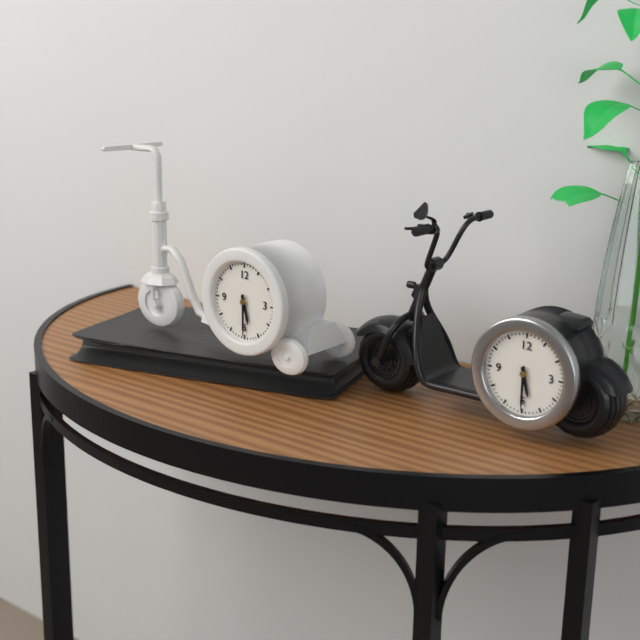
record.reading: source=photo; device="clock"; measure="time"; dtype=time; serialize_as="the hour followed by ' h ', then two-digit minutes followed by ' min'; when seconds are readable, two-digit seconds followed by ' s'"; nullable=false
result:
5 h 30 min
